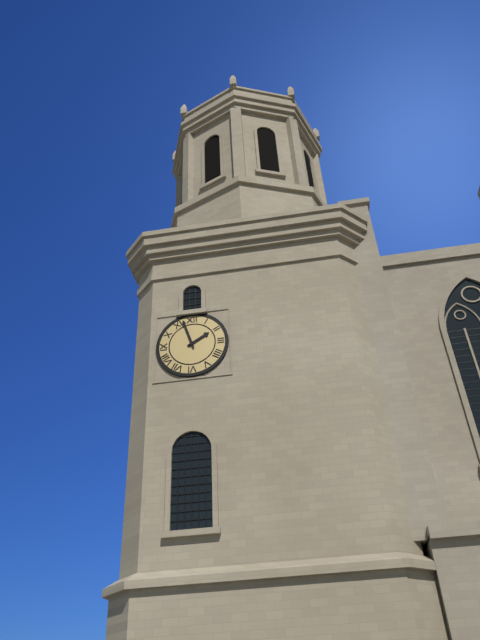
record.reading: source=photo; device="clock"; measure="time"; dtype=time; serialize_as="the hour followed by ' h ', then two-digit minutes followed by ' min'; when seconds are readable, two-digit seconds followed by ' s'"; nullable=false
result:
1 h 57 min
